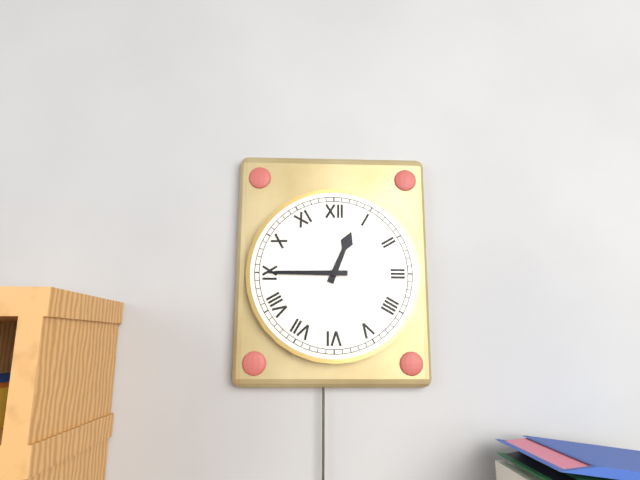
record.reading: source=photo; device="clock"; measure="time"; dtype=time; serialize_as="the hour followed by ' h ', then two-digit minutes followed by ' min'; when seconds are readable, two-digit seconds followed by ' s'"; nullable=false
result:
12 h 45 min
